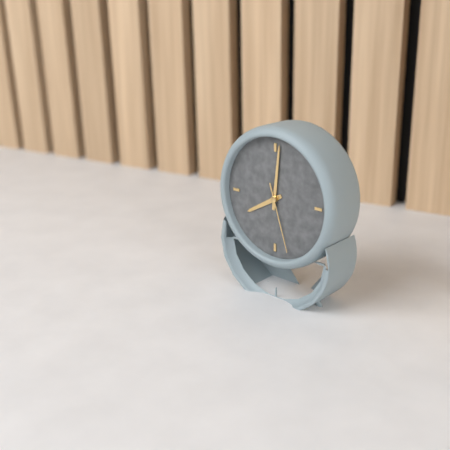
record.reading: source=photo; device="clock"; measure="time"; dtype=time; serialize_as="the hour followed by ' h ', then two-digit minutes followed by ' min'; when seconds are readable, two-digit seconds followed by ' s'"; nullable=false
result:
8 h 01 min 27 s
